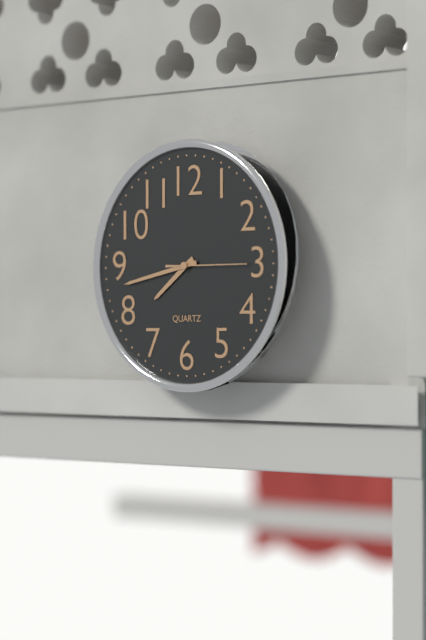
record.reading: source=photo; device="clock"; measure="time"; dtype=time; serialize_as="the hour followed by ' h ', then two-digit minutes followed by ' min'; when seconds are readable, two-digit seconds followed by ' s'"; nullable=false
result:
7 h 43 min 15 s
